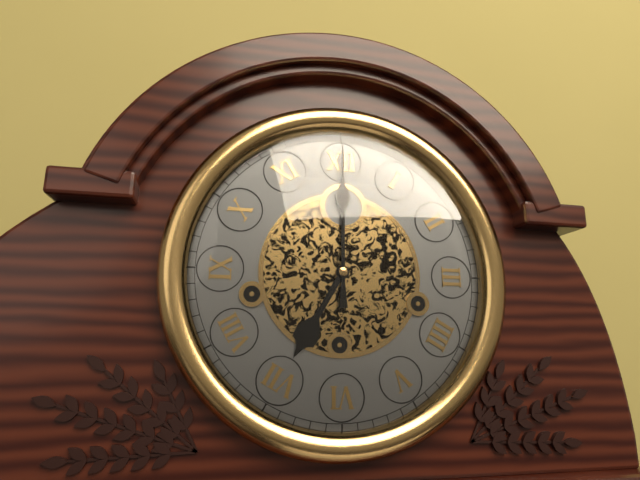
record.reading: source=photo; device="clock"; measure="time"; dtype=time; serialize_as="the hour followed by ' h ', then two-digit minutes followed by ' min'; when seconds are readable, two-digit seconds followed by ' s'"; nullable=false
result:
7 h 00 min
